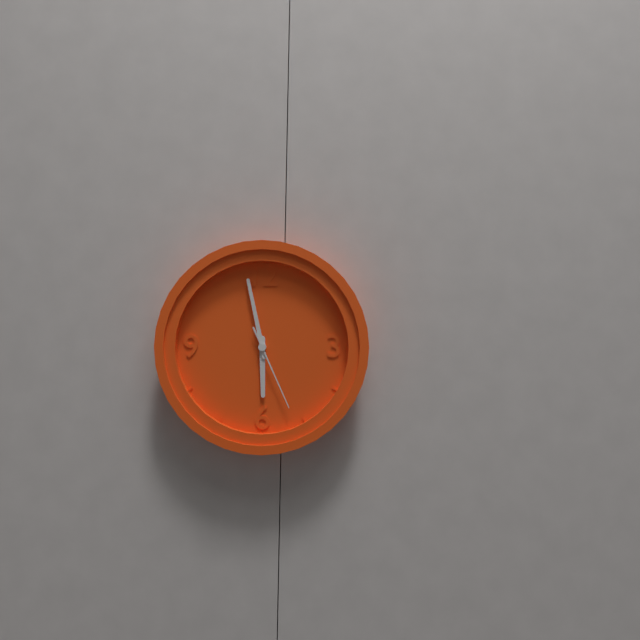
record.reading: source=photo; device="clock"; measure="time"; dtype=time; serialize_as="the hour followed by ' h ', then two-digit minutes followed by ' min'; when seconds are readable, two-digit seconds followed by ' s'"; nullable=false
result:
5 h 58 min 26 s
